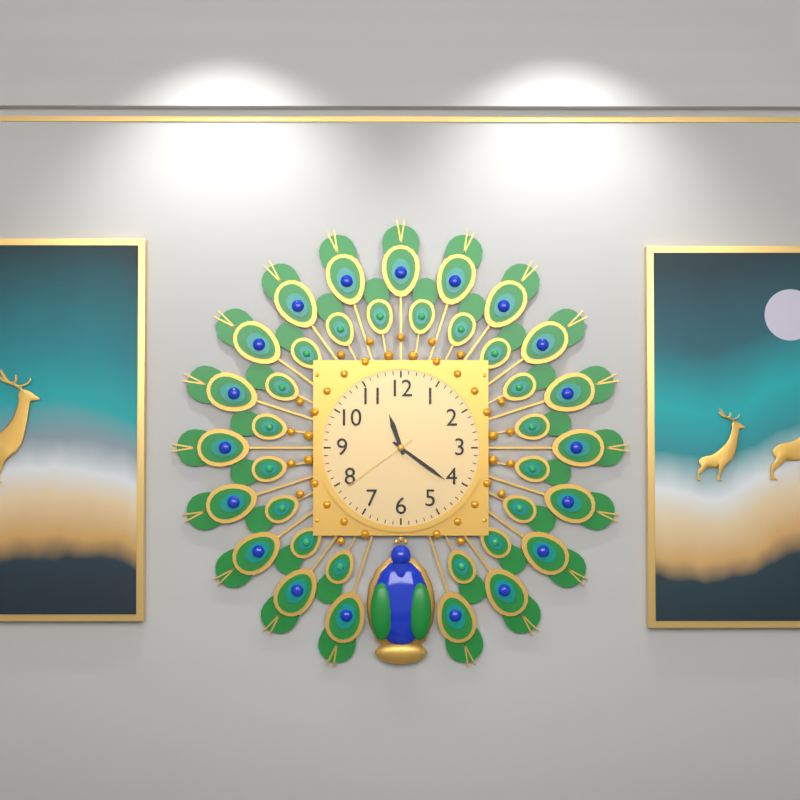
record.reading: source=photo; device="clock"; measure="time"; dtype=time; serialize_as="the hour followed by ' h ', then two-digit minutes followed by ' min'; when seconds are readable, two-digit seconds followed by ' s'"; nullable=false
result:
11 h 21 min 39 s
